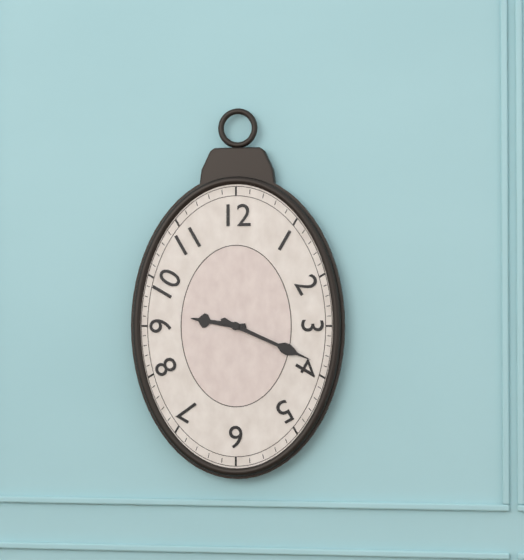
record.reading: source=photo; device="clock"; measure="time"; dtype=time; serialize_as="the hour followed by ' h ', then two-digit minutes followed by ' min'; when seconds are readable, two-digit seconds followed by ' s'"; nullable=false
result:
9 h 19 min
